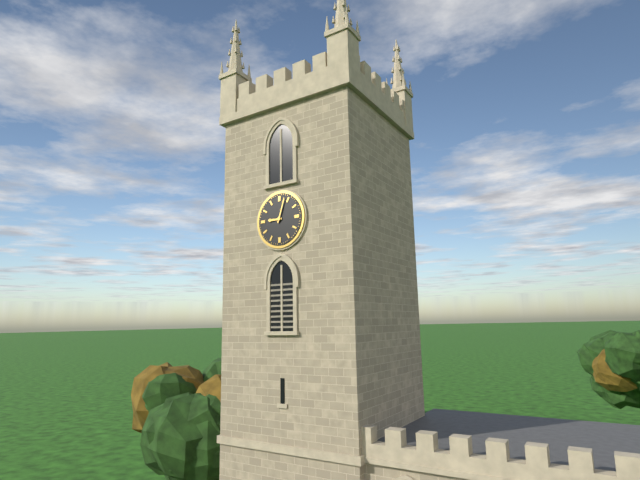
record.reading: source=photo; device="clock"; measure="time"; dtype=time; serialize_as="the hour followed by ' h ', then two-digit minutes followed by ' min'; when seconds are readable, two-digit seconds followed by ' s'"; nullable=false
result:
9 h 03 min
